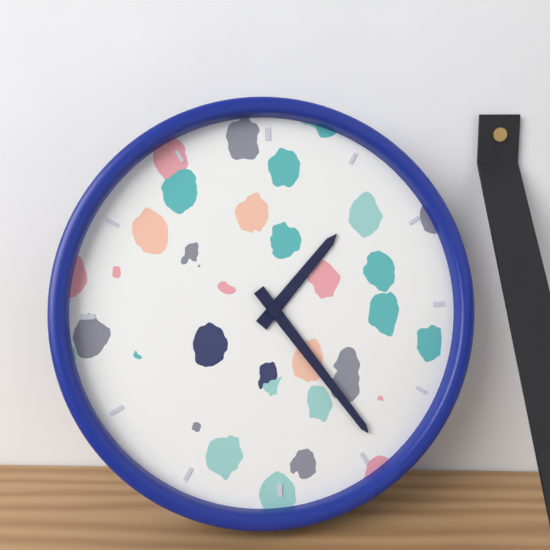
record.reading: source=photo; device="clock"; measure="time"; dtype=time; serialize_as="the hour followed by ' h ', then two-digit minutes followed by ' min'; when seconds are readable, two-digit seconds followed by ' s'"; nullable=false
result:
1 h 24 min
